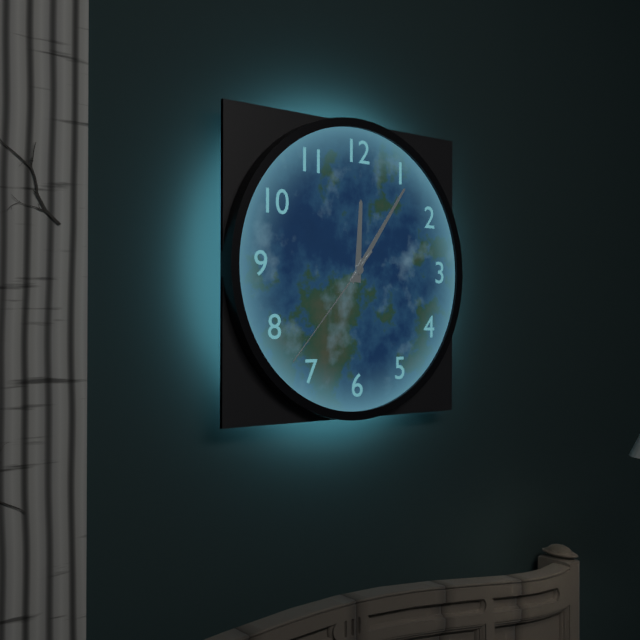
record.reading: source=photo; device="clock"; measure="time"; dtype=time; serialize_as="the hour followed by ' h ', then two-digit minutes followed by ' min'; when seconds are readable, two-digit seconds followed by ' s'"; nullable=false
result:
12 h 06 min 37 s
